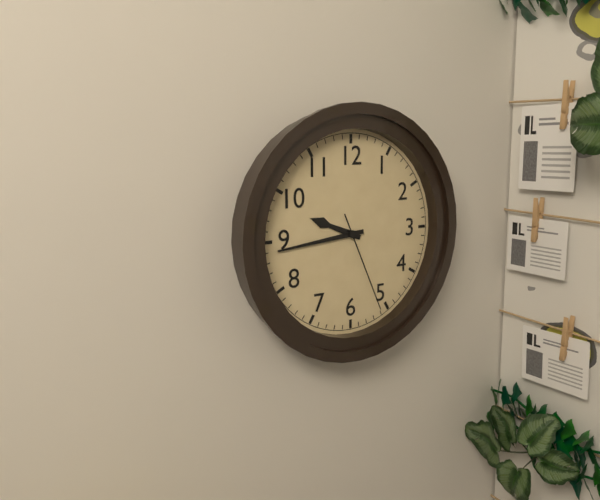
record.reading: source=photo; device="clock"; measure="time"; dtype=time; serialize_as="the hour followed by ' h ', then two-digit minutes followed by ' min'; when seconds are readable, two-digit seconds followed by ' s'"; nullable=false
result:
9 h 44 min 26 s
